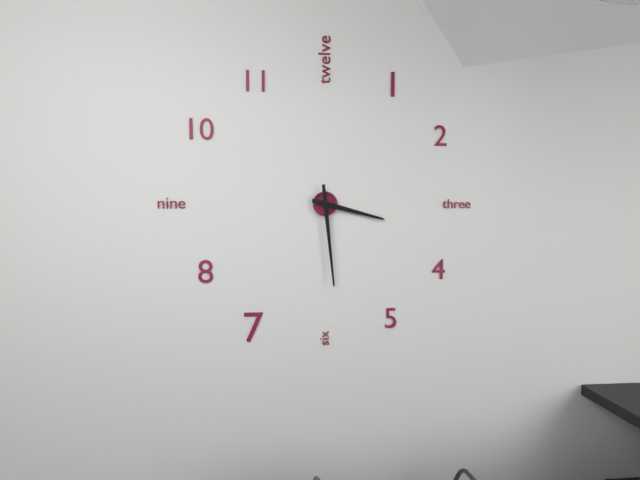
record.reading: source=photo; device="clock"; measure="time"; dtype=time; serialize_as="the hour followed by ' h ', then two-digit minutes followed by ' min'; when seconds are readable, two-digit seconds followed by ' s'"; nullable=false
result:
3 h 29 min
